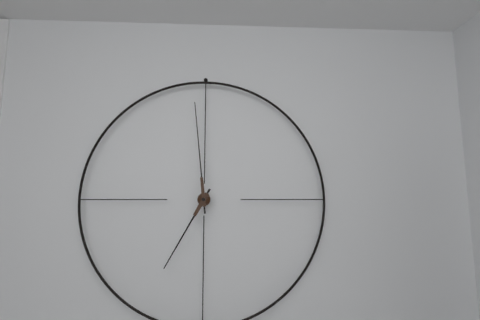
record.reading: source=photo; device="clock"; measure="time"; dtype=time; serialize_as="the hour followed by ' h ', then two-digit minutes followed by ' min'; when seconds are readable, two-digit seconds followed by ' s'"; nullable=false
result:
6 h 59 min
